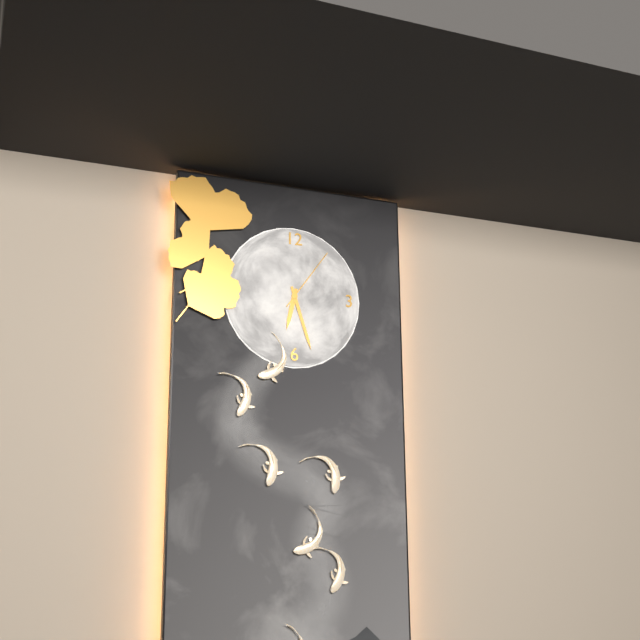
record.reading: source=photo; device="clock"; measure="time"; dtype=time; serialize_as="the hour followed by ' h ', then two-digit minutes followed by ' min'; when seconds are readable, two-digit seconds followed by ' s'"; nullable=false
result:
6 h 27 min 06 s
